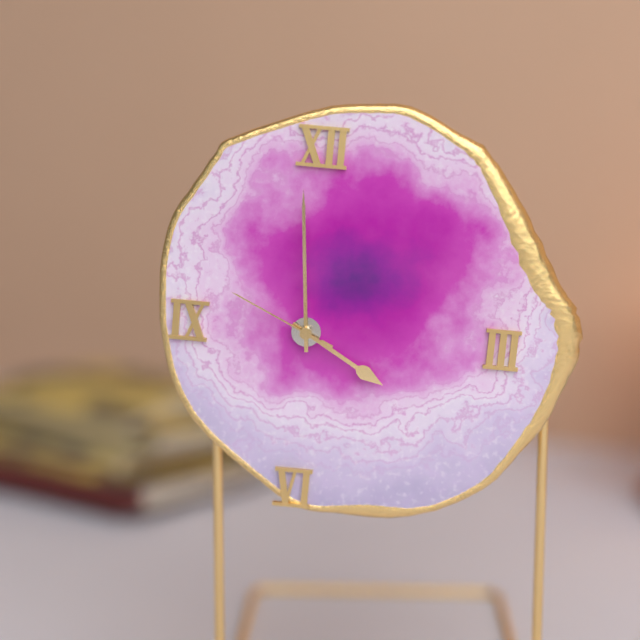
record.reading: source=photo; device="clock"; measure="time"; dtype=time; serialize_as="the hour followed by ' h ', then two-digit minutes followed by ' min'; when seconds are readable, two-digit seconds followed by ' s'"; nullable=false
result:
3 h 59 min 49 s
